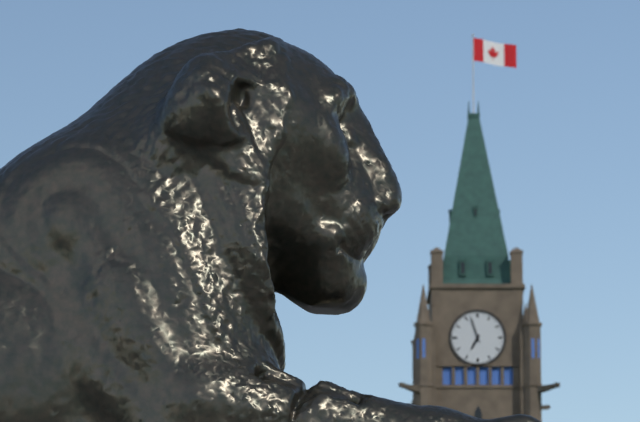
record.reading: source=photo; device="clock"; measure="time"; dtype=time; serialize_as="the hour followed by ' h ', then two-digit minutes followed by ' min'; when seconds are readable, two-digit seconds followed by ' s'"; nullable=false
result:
6 h 57 min
